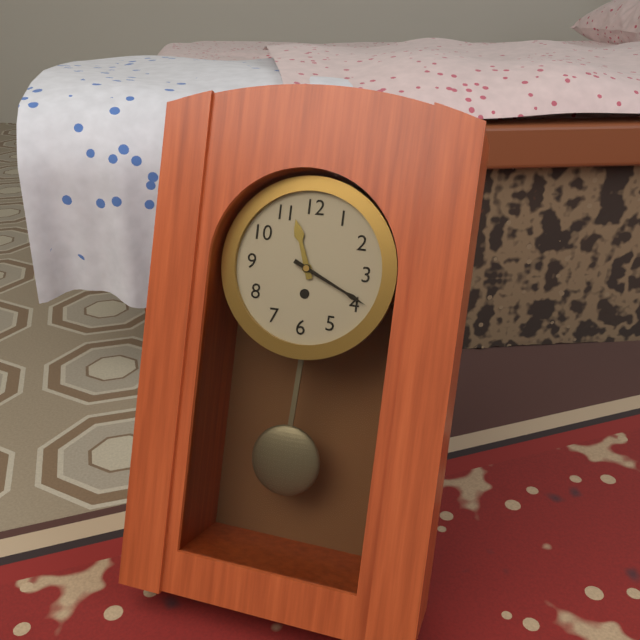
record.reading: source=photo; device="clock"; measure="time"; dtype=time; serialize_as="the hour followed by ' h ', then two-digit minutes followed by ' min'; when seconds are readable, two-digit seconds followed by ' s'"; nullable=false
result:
11 h 19 min
